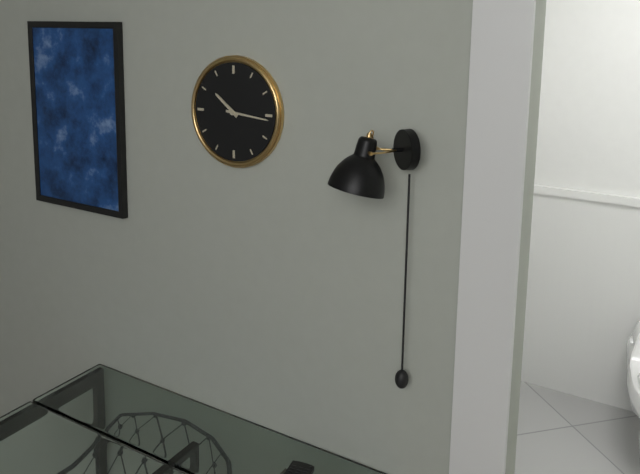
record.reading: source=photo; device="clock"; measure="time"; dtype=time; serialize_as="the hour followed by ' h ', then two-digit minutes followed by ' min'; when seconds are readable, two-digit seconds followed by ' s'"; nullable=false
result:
10 h 16 min
